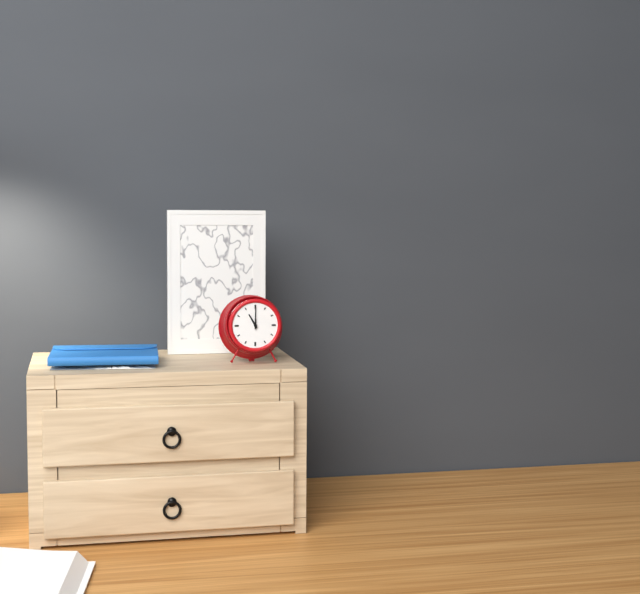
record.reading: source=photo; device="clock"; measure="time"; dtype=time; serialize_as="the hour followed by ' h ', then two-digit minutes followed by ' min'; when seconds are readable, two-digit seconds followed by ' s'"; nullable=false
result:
11 h 00 min
